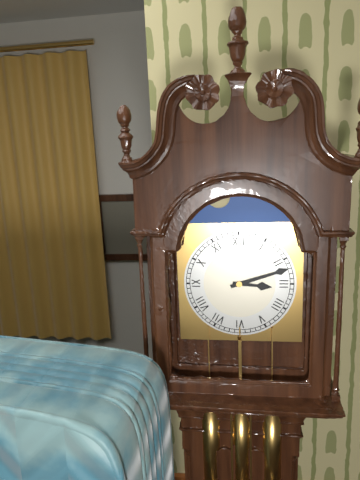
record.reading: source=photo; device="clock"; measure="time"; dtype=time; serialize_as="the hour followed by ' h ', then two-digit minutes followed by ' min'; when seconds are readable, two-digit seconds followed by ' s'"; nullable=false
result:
3 h 12 min
